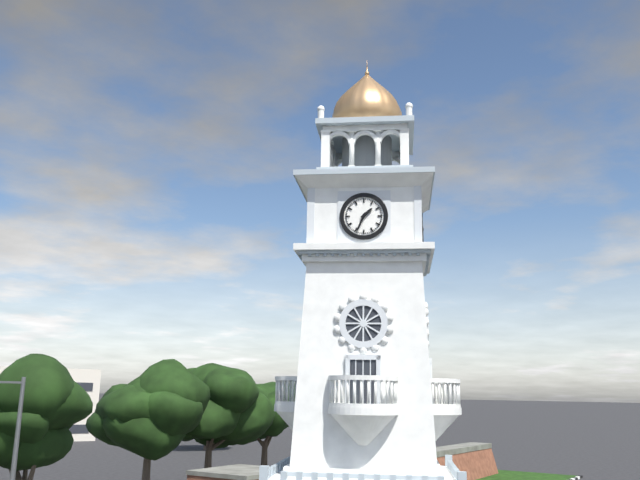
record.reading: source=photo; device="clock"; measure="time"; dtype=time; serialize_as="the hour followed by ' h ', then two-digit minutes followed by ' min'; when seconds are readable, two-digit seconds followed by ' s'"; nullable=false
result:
1 h 34 min
